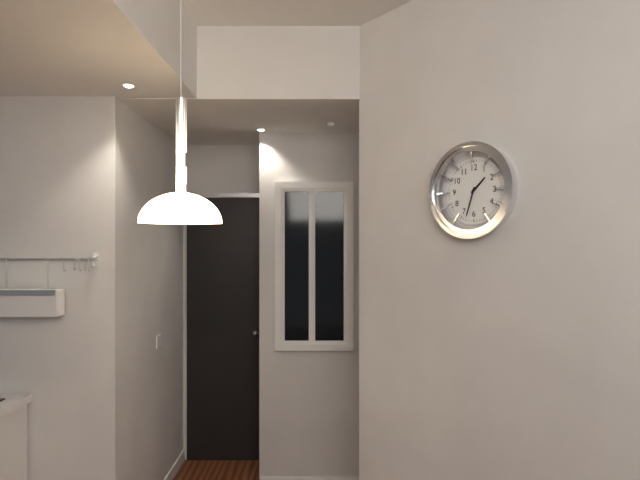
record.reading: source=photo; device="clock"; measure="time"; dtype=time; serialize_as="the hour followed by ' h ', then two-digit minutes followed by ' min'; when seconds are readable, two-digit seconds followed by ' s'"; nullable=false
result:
1 h 33 min
